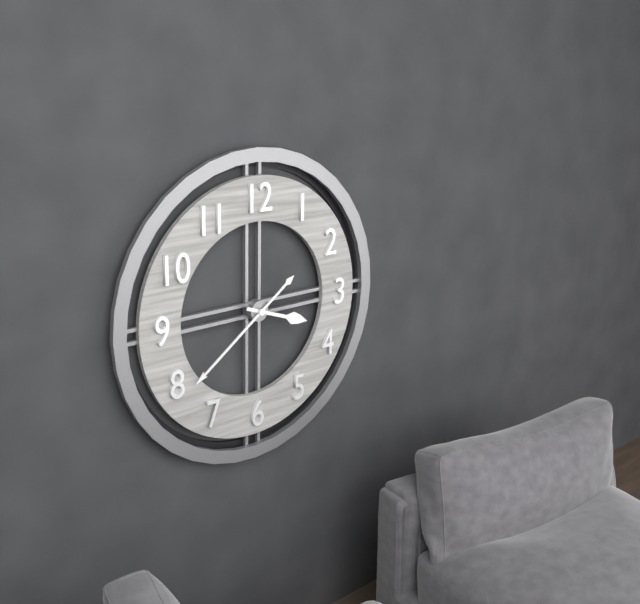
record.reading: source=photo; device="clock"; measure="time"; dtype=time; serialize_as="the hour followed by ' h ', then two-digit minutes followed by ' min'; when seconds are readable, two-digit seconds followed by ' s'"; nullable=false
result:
3 h 39 min
